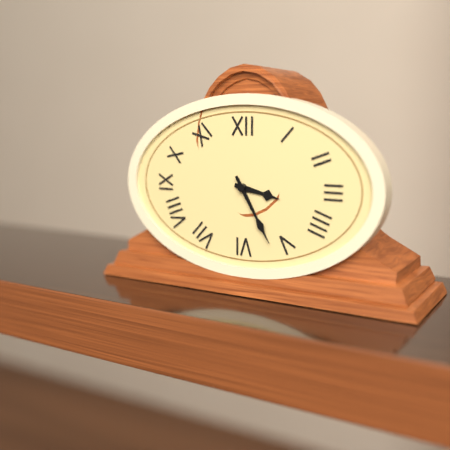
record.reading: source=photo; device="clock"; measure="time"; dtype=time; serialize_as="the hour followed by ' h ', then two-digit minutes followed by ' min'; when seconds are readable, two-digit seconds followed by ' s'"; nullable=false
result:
3 h 25 min
